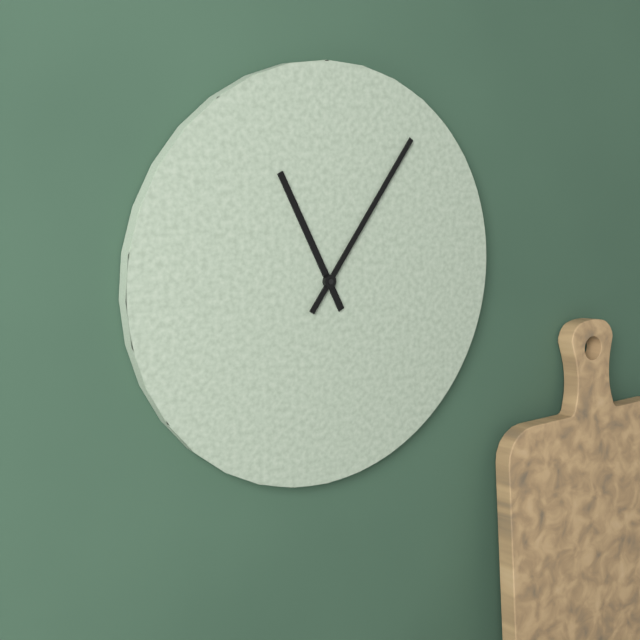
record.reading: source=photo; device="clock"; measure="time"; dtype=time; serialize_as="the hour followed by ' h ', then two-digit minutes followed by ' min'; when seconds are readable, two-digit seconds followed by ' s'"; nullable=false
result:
11 h 06 min
